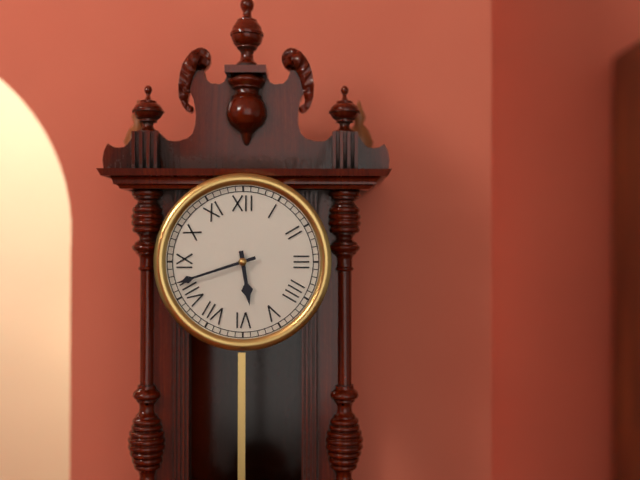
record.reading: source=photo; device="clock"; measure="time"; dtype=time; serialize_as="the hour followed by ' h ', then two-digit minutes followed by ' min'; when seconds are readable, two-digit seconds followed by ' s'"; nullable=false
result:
5 h 42 min
